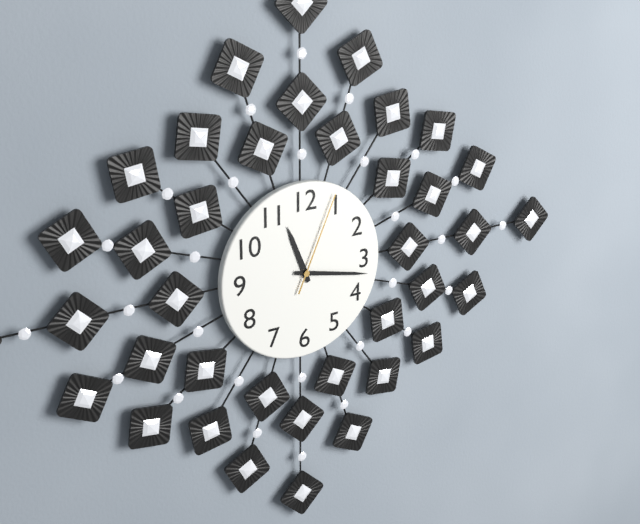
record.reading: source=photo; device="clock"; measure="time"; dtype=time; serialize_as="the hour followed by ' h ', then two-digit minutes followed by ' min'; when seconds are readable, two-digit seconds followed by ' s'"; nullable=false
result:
11 h 17 min 04 s
